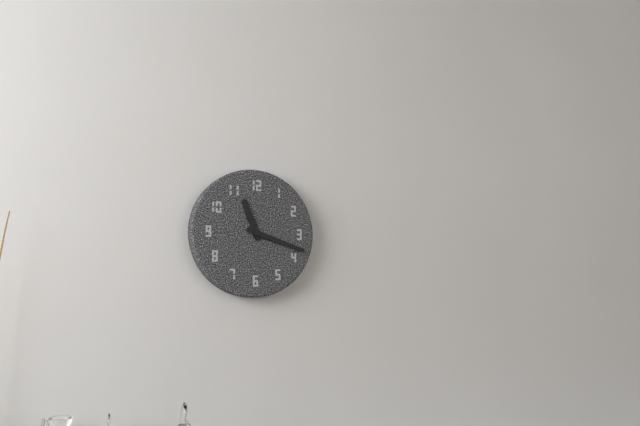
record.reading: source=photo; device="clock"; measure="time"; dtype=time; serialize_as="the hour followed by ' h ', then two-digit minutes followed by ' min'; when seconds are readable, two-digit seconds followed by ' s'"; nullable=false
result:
11 h 18 min
